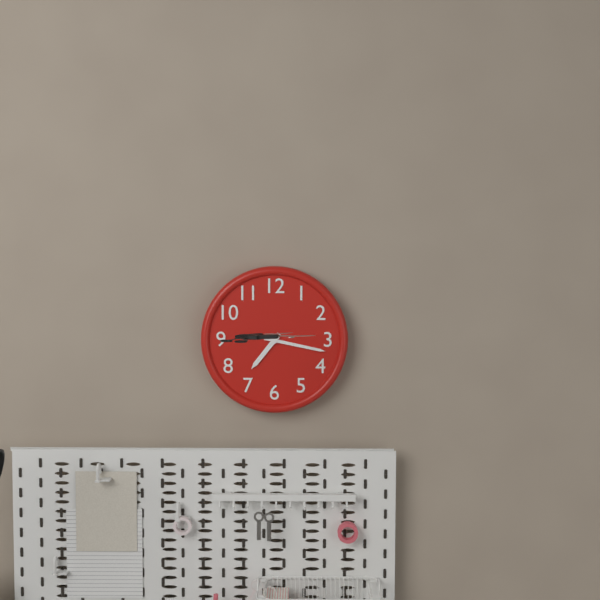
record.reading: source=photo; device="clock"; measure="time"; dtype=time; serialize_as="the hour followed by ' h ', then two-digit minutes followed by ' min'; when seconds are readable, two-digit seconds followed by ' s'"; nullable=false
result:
7 h 17 min
